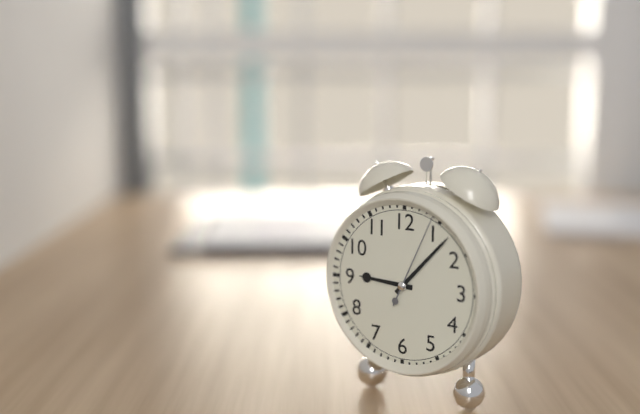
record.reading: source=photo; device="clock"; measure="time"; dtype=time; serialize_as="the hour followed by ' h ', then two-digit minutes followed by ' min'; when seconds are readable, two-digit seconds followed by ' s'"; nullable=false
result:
9 h 07 min 04 s
